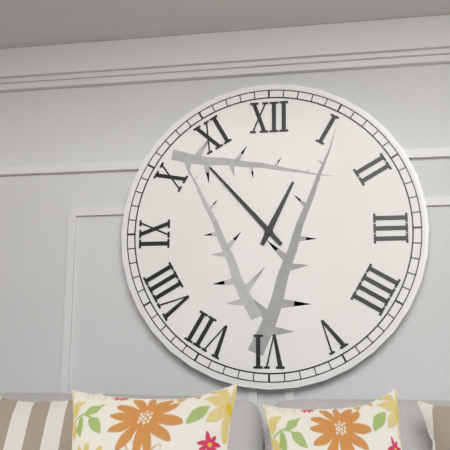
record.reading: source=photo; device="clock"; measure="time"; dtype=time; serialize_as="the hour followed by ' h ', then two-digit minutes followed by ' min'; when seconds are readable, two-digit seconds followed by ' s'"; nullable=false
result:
12 h 53 min
